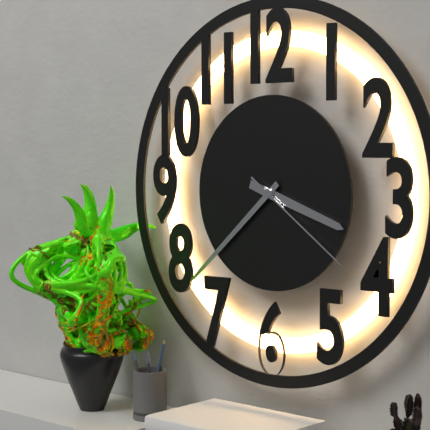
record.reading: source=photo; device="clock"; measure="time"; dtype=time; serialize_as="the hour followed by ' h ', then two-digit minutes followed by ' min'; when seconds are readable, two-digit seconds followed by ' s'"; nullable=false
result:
3 h 38 min 21 s
